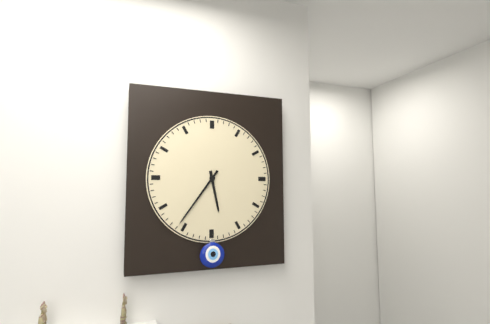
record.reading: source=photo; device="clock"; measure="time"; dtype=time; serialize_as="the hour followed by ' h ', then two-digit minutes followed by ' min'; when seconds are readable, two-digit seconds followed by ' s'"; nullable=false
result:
5 h 36 min
